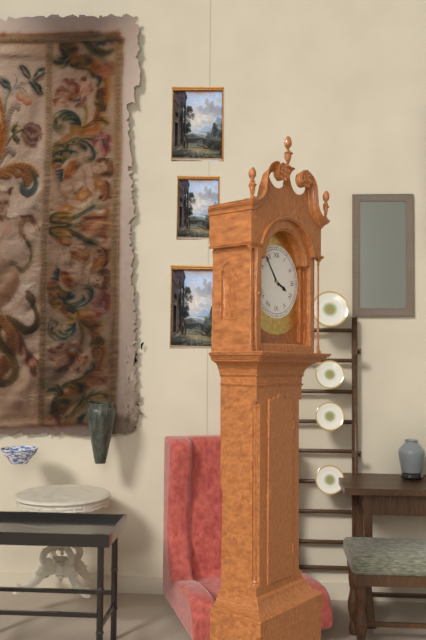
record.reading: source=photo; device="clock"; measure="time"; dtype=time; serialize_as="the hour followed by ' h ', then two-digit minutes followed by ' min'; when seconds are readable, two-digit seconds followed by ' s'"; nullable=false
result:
3 h 54 min
